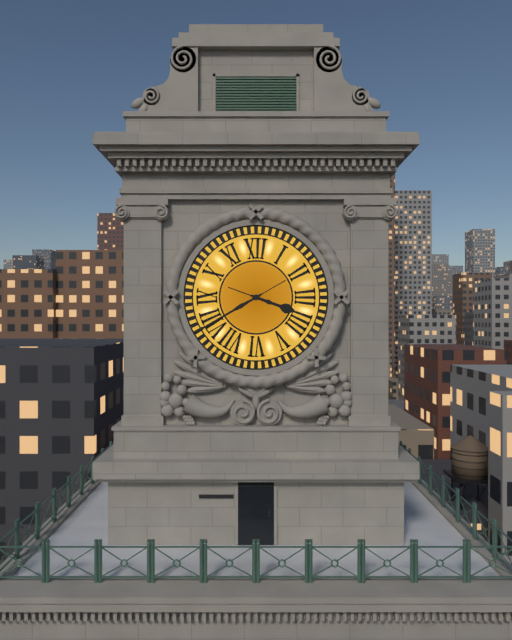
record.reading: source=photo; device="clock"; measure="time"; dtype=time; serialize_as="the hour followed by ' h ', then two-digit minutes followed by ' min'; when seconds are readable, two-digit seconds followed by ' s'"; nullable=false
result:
3 h 40 min
